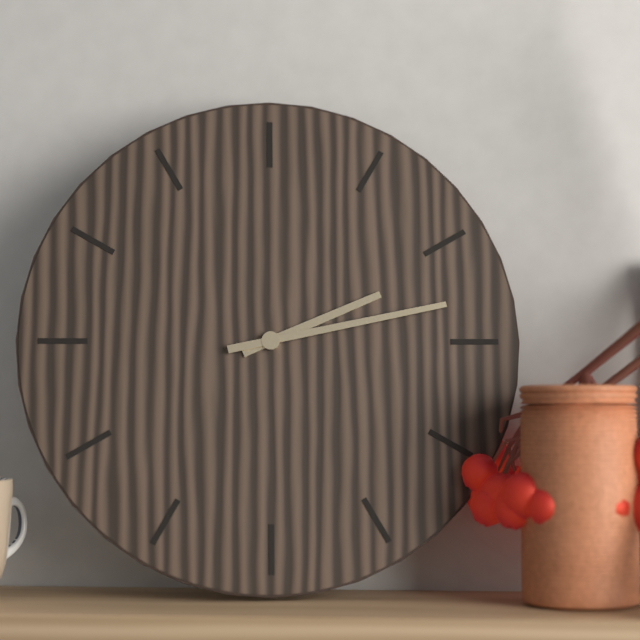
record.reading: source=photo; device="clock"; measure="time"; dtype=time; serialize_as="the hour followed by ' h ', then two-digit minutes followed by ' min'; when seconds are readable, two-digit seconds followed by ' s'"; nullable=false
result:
2 h 13 min
